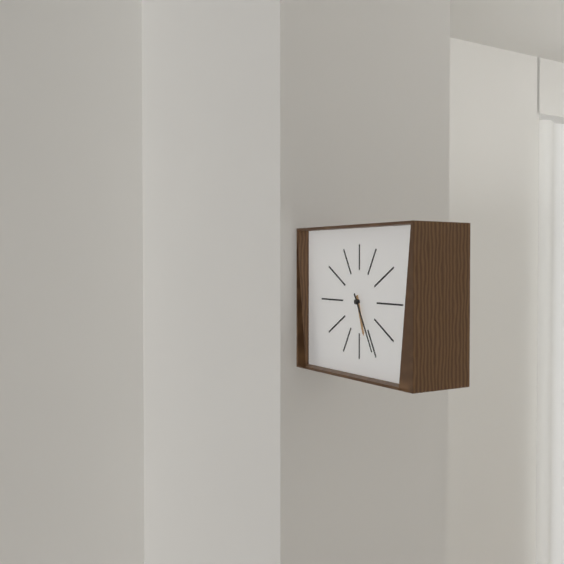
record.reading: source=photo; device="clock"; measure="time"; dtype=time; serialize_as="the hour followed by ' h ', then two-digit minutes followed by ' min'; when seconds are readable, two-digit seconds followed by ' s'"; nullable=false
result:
5 h 25 min
